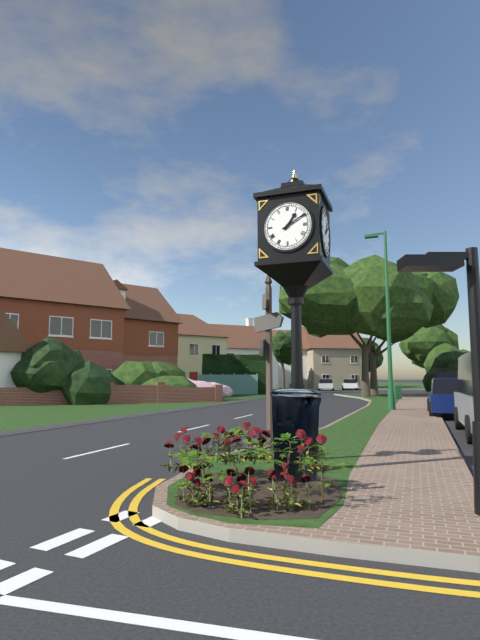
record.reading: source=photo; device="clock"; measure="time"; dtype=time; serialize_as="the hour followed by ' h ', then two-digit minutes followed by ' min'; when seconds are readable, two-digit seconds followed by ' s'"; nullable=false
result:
1 h 10 min
